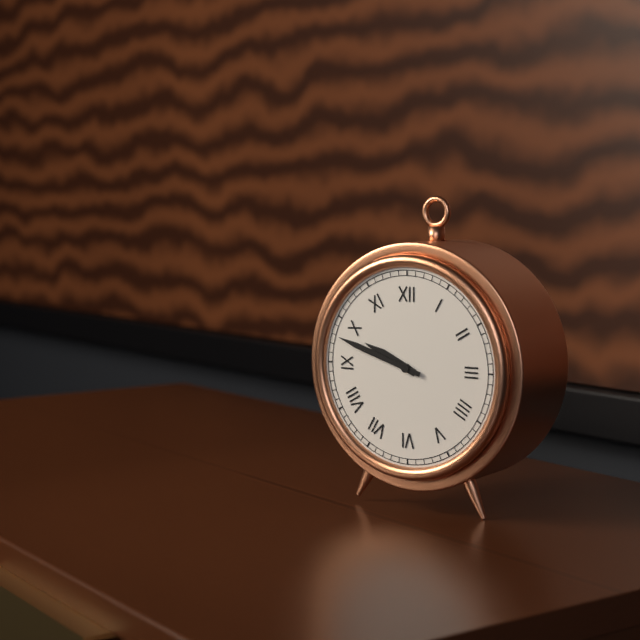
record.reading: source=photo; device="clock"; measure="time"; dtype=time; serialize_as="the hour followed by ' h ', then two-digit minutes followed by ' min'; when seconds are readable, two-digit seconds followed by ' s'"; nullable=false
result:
9 h 48 min
